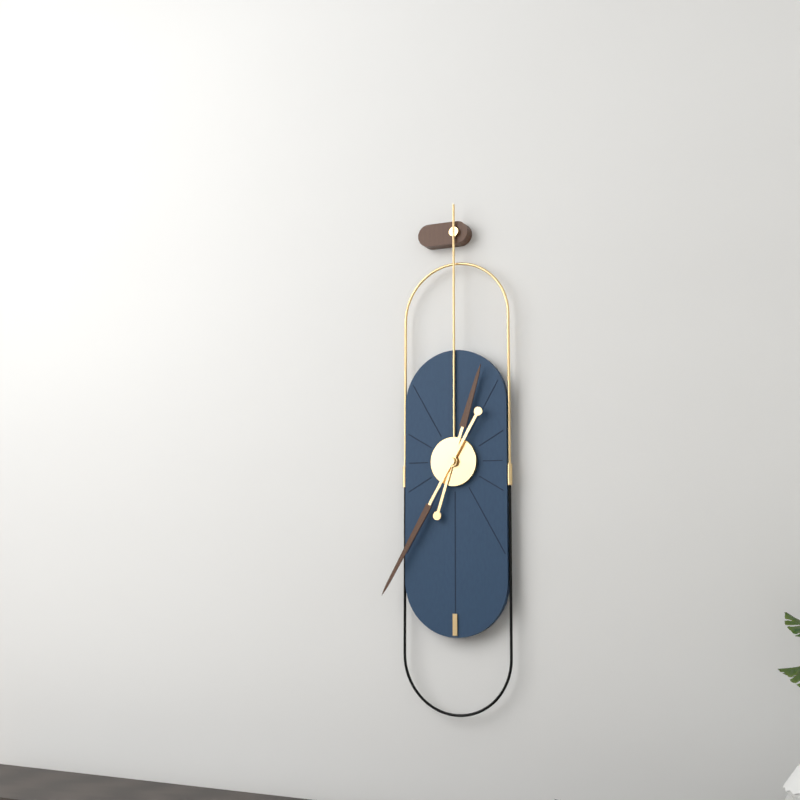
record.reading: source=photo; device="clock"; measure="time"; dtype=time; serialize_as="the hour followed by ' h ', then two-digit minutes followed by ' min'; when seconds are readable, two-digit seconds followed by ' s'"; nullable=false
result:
12 h 35 min
